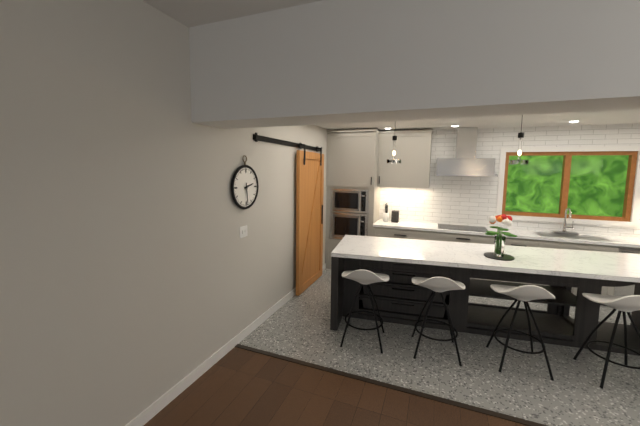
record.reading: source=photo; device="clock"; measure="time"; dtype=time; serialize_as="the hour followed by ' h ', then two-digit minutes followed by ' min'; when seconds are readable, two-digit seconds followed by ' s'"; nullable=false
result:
2 h 29 min
